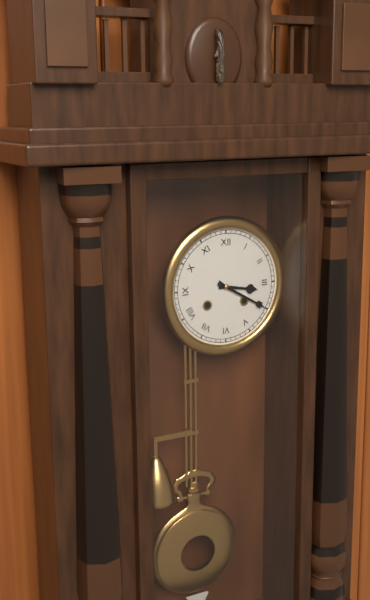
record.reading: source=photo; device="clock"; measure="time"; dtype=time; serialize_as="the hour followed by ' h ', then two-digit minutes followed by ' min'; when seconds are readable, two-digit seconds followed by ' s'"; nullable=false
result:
3 h 20 min
